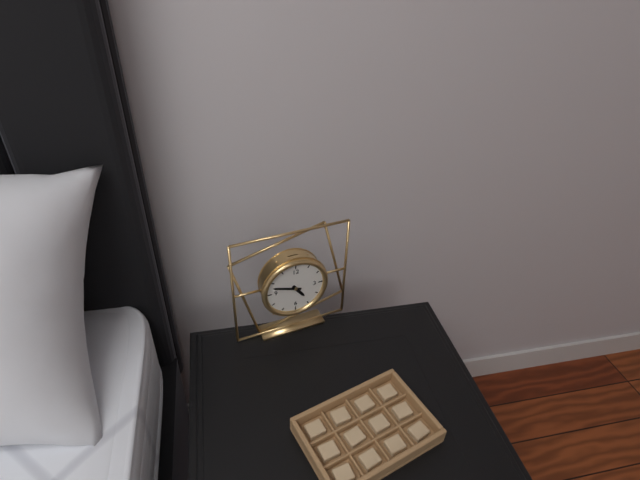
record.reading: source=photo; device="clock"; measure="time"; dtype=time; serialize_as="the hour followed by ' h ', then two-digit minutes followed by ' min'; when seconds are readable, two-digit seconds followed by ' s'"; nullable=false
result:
4 h 48 min
